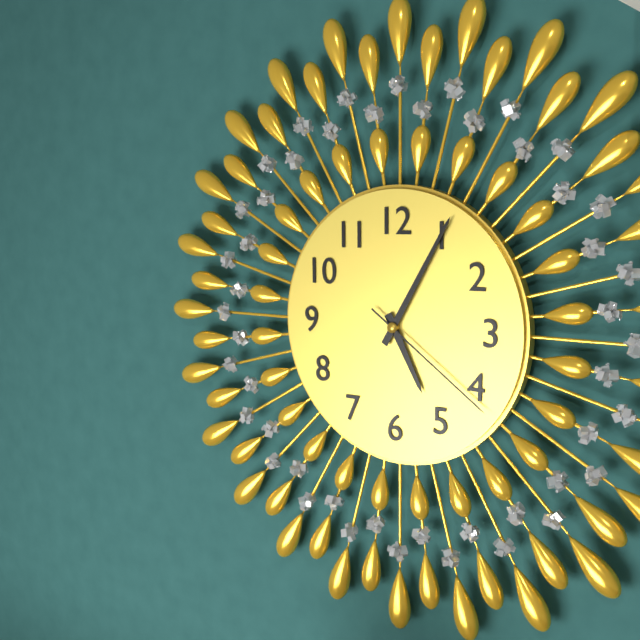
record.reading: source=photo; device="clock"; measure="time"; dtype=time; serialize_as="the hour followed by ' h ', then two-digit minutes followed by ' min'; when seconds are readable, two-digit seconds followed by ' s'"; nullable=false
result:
5 h 05 min 21 s
